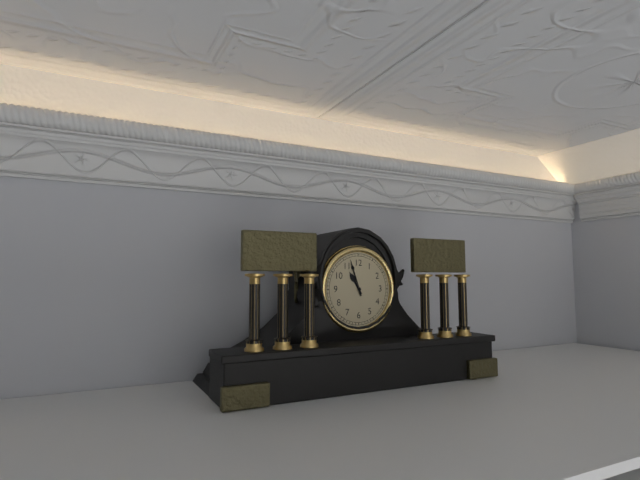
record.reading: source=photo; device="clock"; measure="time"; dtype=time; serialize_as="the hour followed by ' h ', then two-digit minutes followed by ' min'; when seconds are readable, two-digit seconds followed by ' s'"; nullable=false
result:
10 h 57 min
